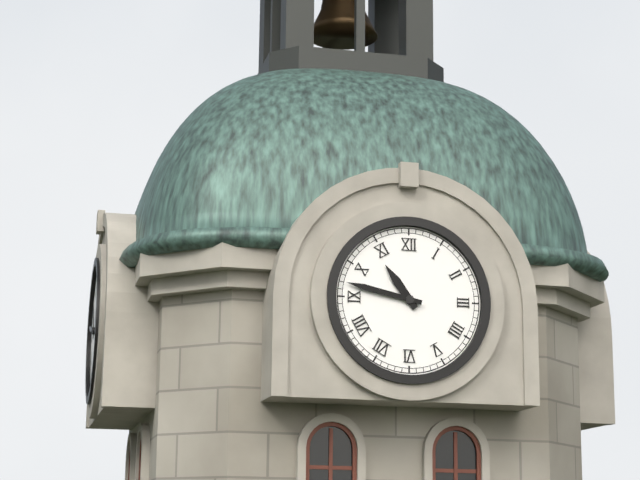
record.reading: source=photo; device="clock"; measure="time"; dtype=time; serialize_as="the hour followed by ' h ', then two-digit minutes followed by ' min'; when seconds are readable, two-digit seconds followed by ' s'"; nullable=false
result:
10 h 47 min
